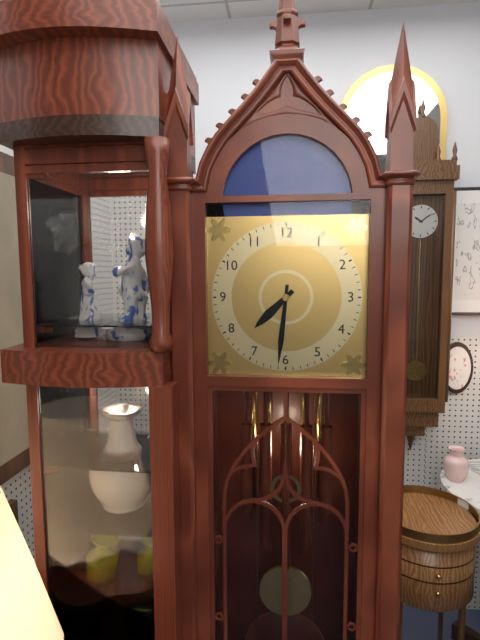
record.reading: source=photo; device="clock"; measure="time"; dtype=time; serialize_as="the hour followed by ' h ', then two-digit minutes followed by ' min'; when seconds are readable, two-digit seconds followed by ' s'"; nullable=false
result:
7 h 31 min
